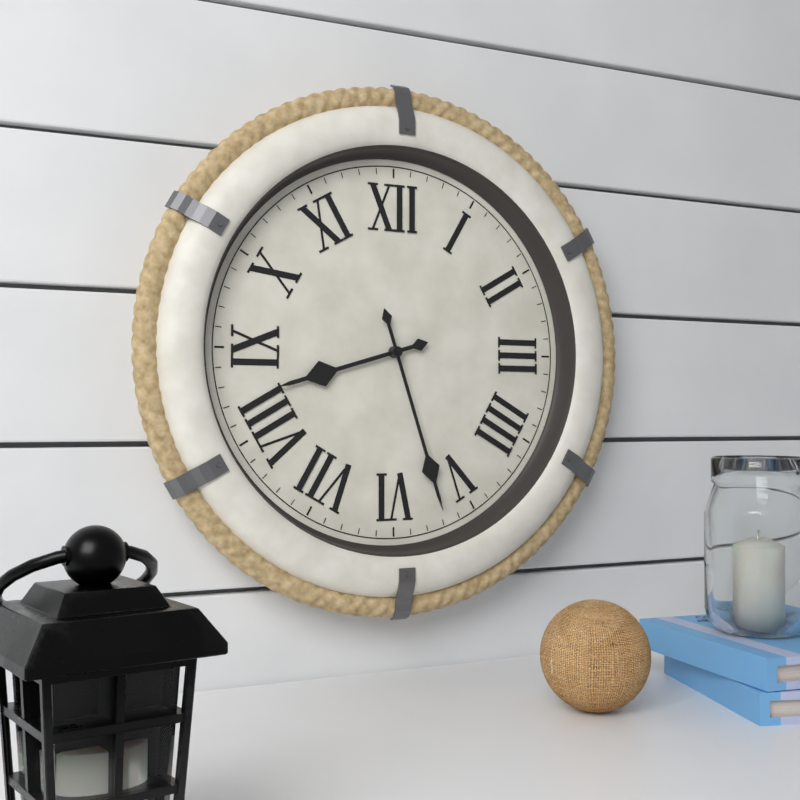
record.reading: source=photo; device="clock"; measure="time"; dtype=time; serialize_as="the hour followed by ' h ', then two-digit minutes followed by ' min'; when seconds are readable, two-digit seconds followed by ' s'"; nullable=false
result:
8 h 27 min
